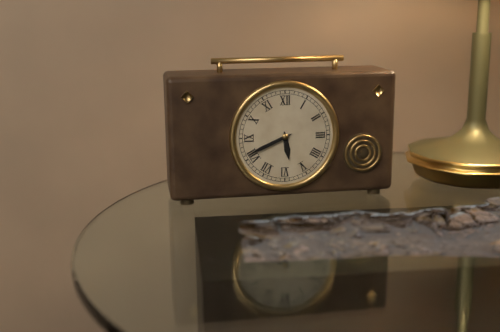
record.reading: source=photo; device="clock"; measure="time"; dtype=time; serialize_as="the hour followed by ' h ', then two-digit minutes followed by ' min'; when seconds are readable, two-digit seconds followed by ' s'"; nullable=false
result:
5 h 41 min
